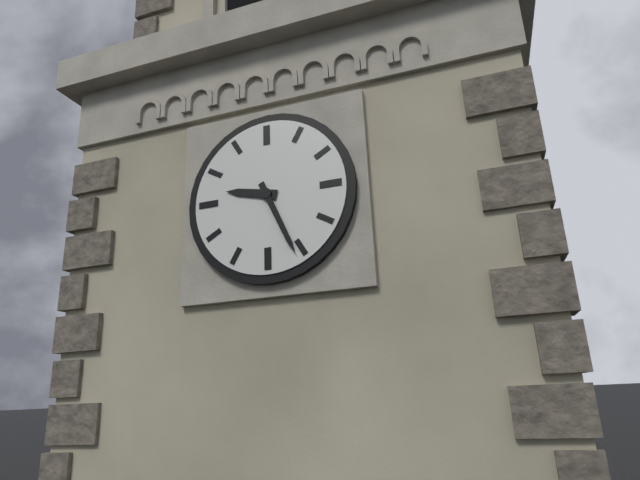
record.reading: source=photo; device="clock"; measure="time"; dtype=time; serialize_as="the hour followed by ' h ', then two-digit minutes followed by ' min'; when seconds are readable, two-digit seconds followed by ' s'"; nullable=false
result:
9 h 26 min
